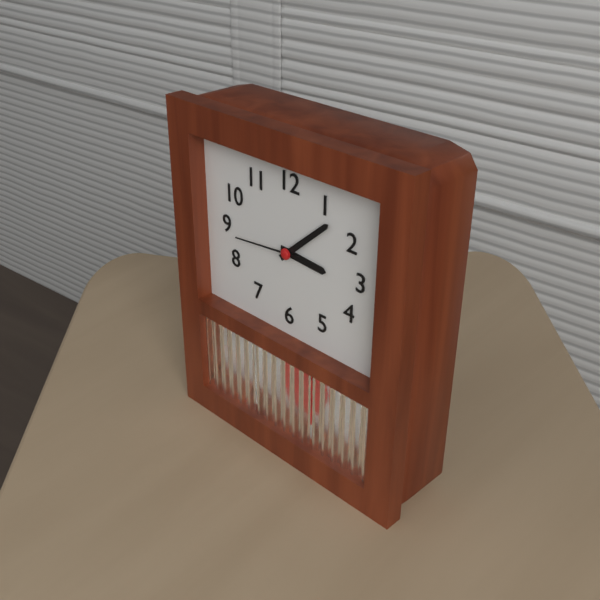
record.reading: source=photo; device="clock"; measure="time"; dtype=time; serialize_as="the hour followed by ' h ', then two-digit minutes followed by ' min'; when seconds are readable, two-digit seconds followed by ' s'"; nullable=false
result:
3 h 08 min 44 s
